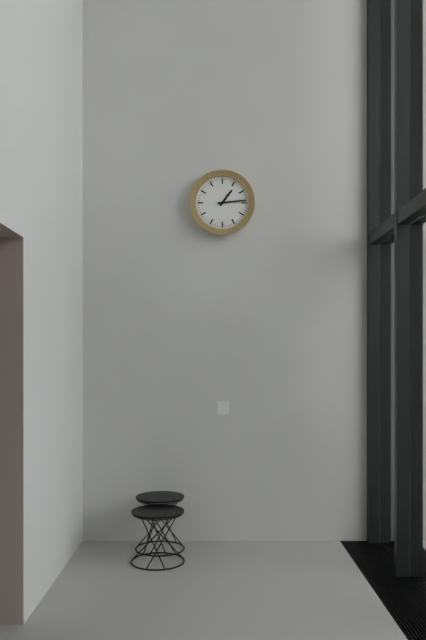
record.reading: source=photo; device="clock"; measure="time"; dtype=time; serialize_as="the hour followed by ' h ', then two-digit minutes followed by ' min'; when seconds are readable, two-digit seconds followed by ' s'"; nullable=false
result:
1 h 14 min
